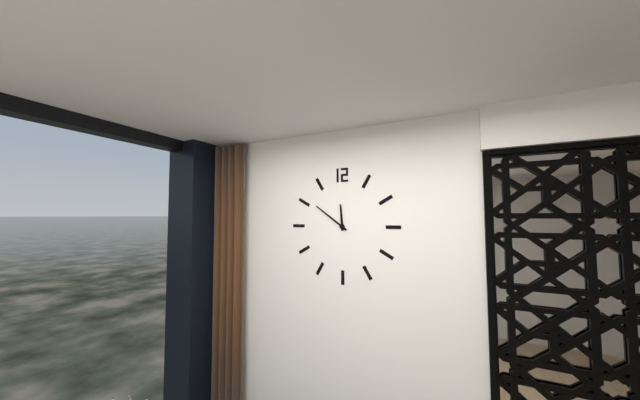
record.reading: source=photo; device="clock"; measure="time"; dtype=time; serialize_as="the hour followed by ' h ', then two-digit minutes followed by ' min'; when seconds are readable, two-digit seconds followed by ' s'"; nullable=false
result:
11 h 51 min
